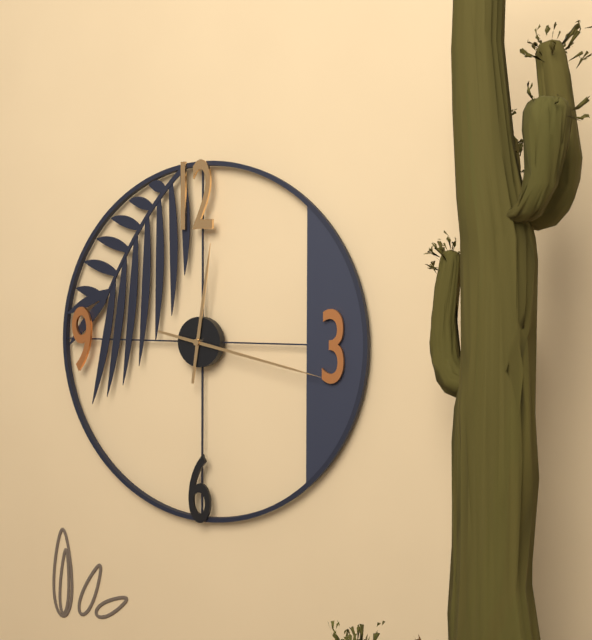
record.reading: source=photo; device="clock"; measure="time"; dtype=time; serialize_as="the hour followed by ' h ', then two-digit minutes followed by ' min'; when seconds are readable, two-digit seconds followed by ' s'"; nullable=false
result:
12 h 17 min
